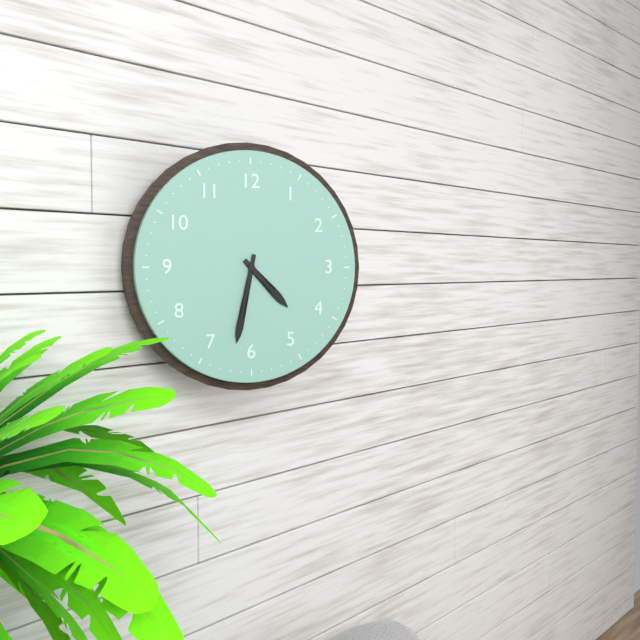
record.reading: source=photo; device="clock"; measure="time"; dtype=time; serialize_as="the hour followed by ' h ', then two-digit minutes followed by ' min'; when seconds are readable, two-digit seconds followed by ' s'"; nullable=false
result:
4 h 32 min
